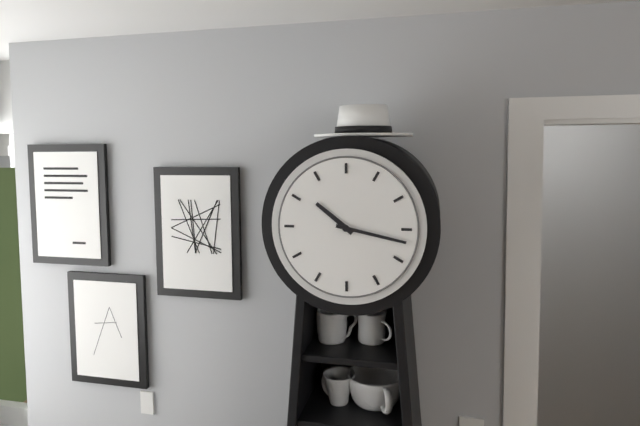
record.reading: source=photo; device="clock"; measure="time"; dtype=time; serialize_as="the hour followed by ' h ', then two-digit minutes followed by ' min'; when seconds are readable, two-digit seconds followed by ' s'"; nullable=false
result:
10 h 17 min
